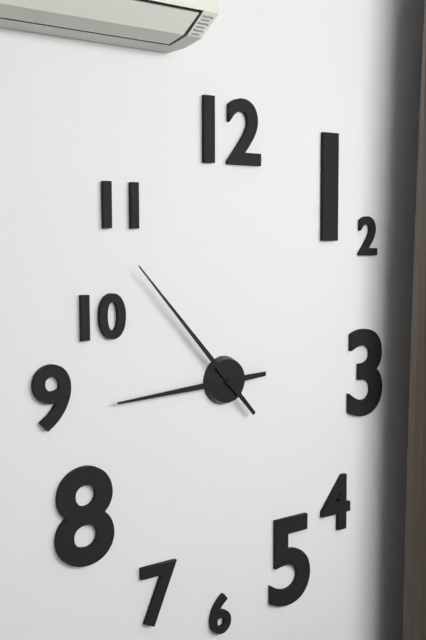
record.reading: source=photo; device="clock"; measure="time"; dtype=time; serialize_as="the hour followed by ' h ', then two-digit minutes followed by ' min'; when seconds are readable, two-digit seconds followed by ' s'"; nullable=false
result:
8 h 53 min
